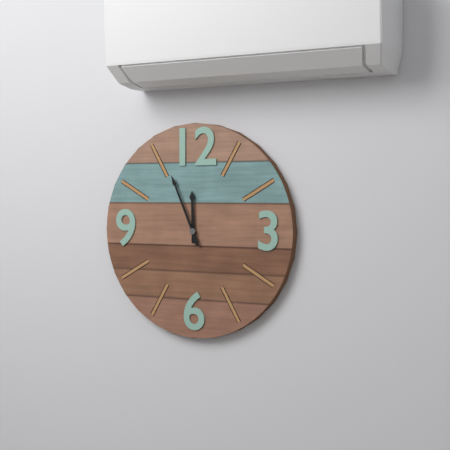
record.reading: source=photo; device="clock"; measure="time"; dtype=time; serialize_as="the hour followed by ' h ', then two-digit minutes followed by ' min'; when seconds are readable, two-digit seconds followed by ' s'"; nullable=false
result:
11 h 56 min
